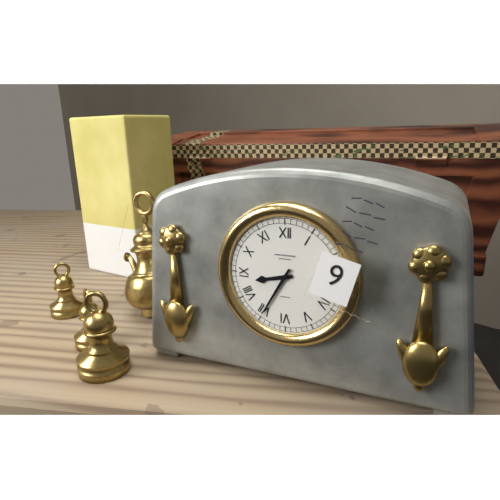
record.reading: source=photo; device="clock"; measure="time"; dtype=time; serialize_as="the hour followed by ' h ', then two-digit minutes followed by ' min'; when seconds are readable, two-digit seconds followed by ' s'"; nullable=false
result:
8 h 35 min
